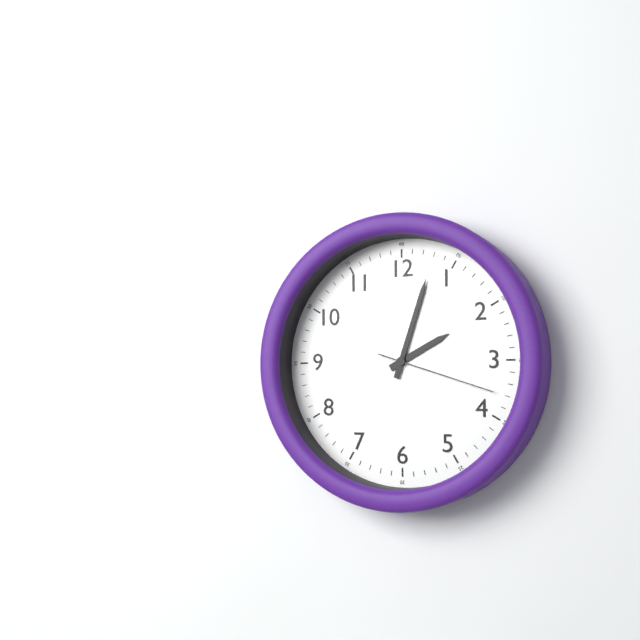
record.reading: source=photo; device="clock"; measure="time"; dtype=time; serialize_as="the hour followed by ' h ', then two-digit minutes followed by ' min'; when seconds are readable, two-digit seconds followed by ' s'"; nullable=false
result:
2 h 03 min 18 s
